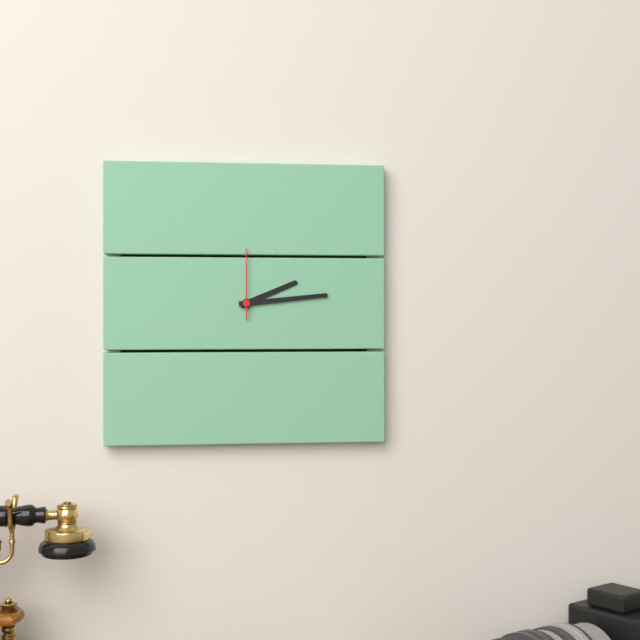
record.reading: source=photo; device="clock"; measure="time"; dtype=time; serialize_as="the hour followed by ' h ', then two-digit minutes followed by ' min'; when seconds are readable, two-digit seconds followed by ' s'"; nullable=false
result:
2 h 14 min 00 s
